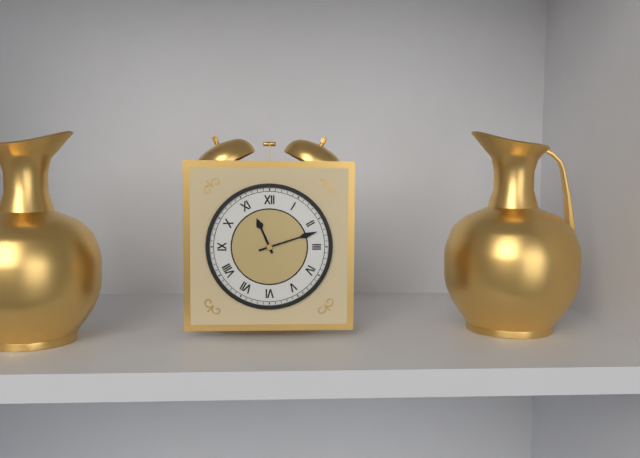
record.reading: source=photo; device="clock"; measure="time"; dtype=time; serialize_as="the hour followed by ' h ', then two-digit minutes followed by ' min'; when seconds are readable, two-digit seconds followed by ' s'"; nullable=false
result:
11 h 12 min
